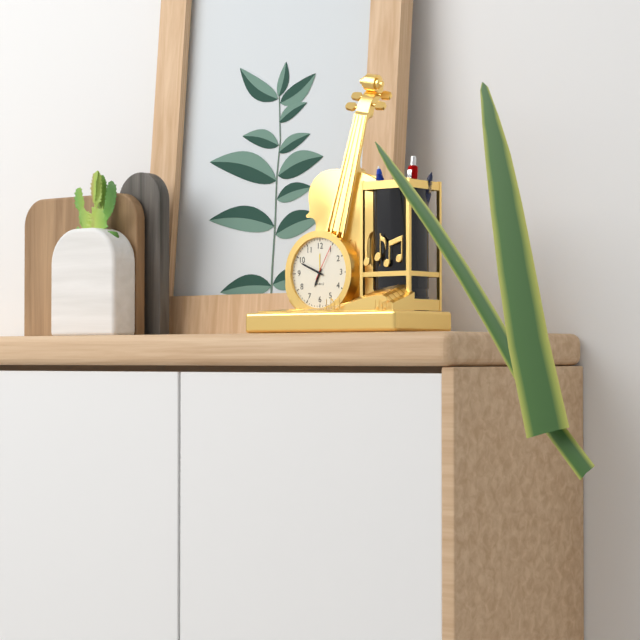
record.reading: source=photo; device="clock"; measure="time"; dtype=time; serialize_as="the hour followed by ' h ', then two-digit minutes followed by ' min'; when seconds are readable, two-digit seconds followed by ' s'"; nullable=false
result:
6 h 49 min
